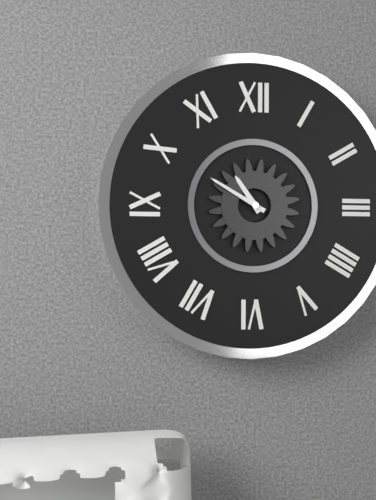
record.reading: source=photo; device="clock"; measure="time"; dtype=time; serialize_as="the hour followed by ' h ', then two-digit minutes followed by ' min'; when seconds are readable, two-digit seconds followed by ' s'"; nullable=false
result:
10 h 50 min
